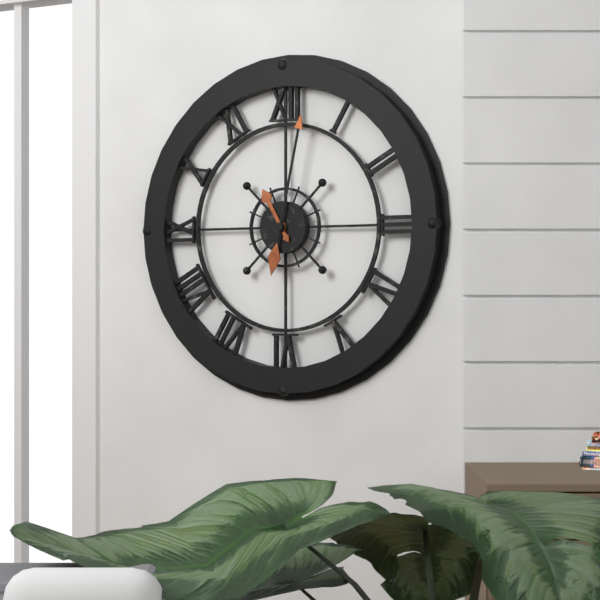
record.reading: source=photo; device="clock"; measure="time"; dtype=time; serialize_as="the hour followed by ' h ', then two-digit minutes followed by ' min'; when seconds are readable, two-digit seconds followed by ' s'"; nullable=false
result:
11 h 02 min
